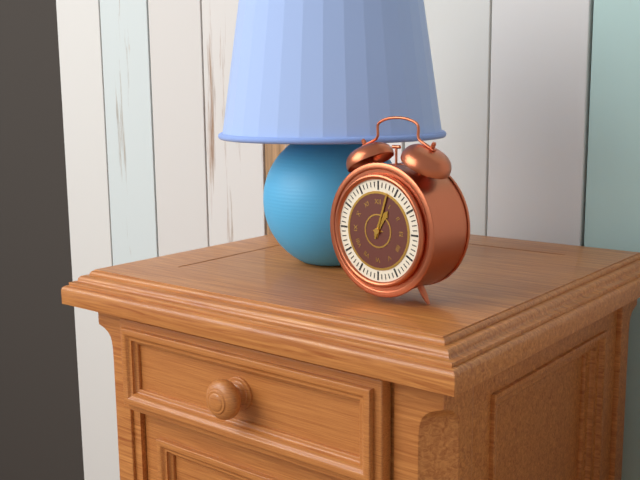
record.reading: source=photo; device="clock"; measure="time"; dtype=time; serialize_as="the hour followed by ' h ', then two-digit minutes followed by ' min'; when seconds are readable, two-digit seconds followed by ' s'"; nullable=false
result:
1 h 03 min
